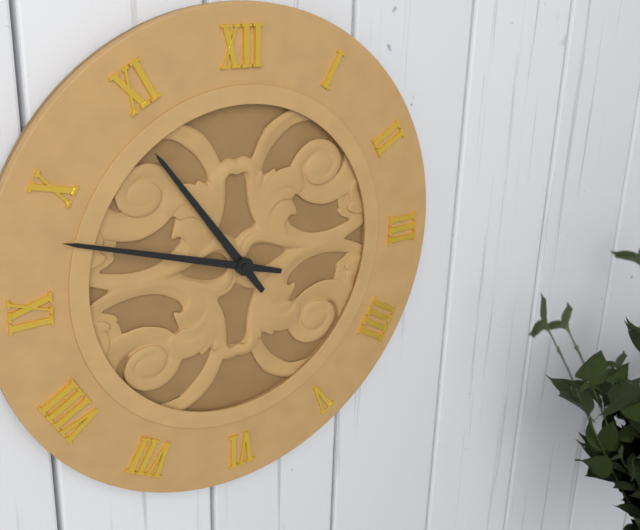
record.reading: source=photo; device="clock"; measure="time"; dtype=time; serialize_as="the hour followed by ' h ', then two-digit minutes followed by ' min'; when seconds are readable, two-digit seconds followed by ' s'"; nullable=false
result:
10 h 48 min
